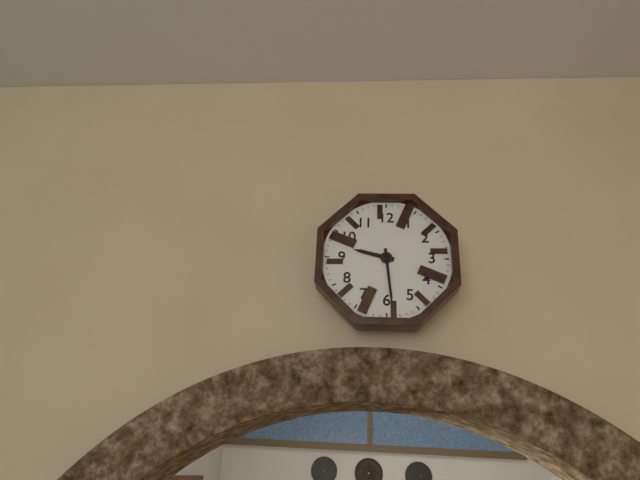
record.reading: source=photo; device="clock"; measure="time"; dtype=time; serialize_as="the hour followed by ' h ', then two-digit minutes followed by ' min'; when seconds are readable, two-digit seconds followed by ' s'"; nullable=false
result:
9 h 29 min
